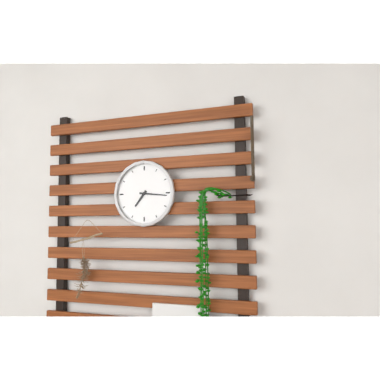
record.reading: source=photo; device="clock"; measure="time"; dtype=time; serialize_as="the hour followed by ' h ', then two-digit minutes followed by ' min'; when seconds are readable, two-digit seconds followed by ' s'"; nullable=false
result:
7 h 16 min
